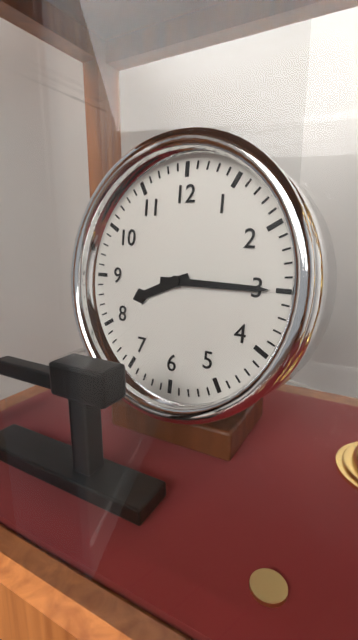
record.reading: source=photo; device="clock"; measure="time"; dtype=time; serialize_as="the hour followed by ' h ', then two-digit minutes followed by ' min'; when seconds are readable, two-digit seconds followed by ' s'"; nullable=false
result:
8 h 15 min
